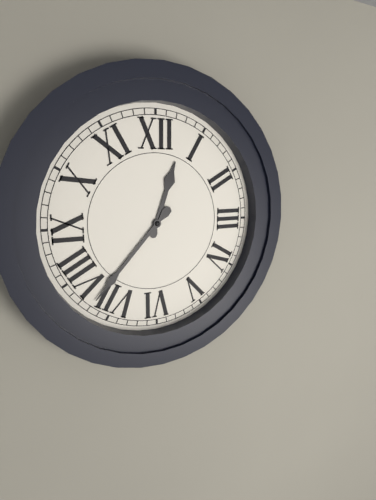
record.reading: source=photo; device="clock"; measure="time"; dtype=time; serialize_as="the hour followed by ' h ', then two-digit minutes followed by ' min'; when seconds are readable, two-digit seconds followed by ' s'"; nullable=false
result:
12 h 37 min
